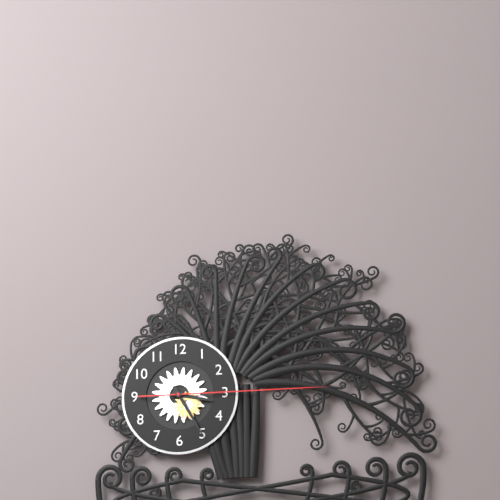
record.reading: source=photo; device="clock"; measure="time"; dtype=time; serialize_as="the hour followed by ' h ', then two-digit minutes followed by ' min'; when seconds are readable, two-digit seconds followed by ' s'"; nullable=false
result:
3 h 25 min 15 s
